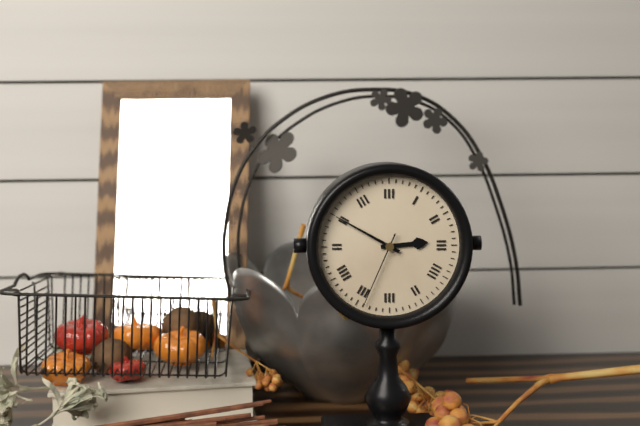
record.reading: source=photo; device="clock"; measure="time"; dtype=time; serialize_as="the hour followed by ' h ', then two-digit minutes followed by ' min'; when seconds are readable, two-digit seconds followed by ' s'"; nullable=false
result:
2 h 50 min 34 s
